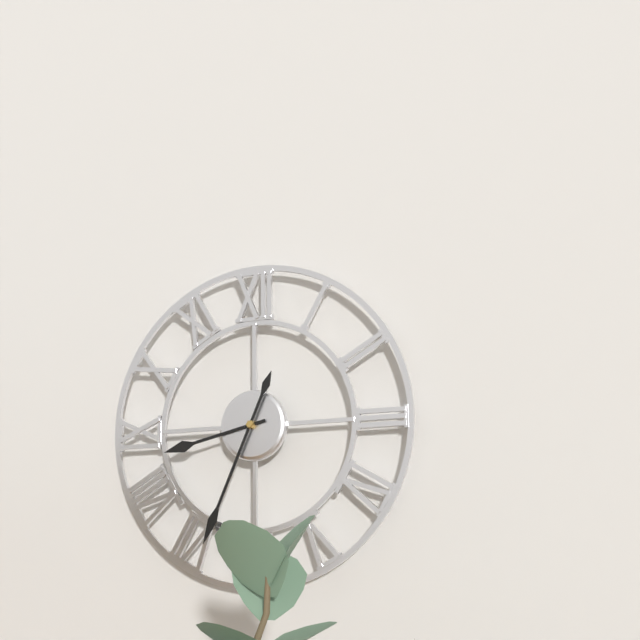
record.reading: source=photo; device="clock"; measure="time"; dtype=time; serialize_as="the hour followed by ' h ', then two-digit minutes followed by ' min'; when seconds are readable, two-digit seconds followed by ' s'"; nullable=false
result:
8 h 34 min
